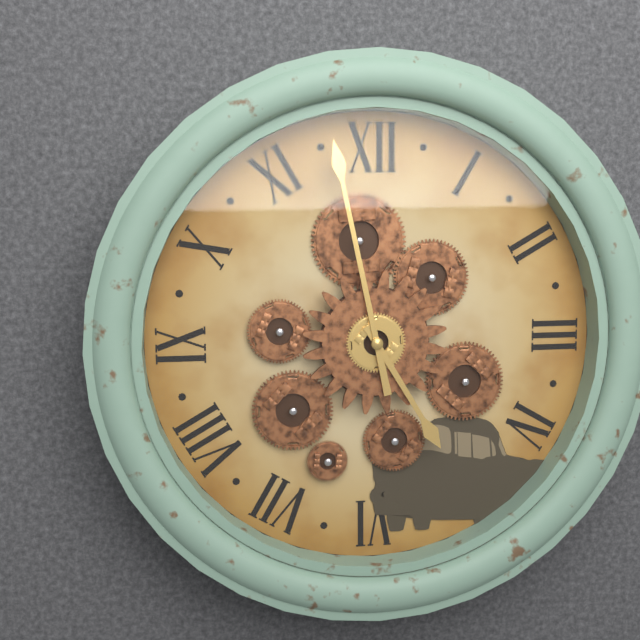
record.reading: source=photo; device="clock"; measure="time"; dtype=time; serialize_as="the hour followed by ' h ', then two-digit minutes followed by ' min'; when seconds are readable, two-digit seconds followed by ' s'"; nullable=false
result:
4 h 58 min
